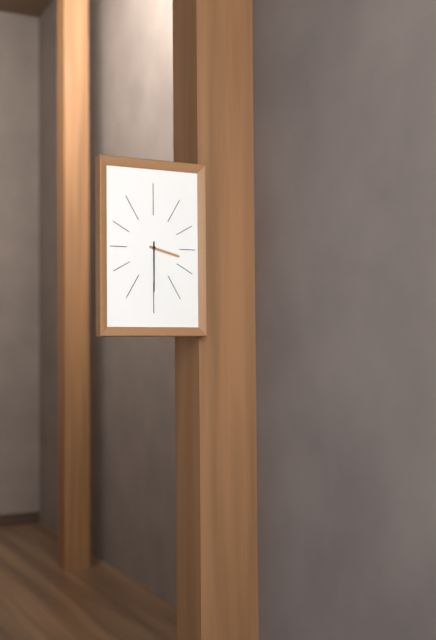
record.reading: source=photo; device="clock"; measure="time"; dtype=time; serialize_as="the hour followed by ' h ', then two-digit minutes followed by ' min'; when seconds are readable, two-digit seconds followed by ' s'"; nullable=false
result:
3 h 30 min
